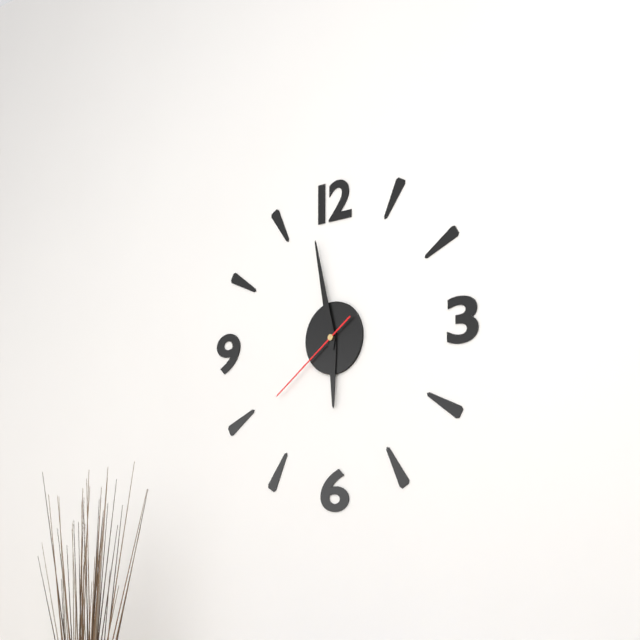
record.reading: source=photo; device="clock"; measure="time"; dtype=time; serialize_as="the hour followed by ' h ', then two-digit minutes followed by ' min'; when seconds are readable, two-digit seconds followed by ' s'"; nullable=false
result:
5 h 58 min 39 s
